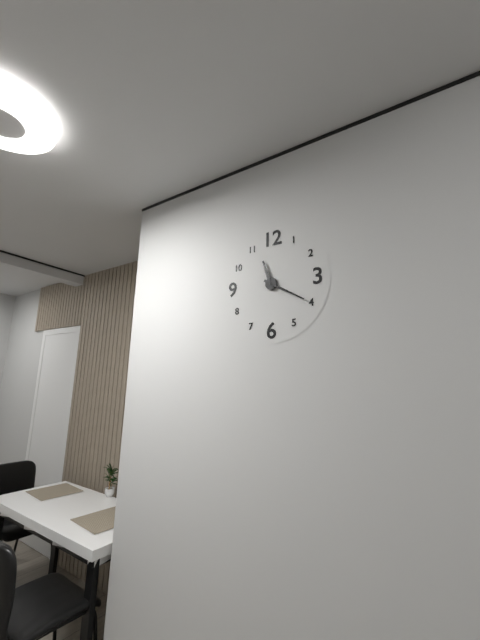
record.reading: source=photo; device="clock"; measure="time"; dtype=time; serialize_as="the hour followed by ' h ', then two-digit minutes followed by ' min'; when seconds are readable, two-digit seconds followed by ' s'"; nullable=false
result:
11 h 20 min
